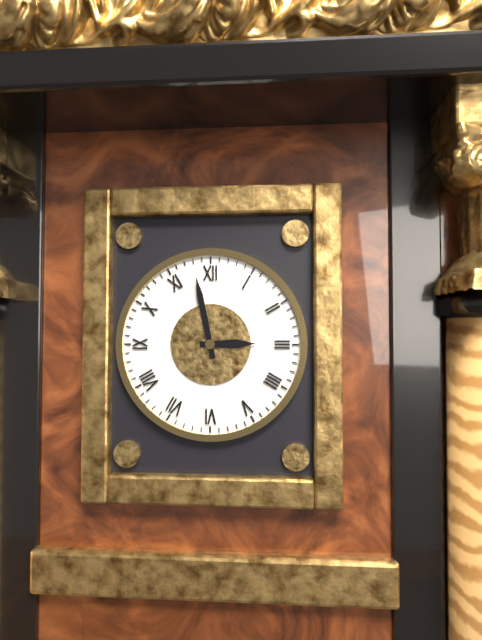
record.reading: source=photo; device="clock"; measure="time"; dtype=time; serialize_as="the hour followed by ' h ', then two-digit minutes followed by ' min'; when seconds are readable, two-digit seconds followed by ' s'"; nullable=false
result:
2 h 58 min
